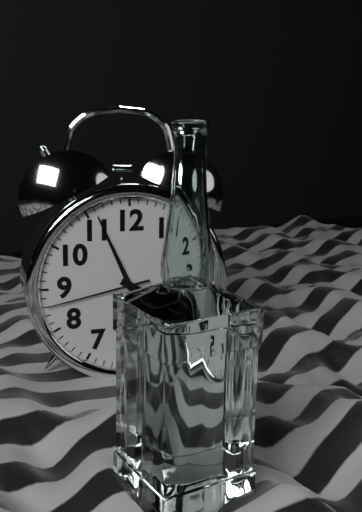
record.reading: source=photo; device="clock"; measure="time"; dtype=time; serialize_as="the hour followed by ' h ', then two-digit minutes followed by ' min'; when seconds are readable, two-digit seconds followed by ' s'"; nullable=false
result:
3 h 56 min 43 s
